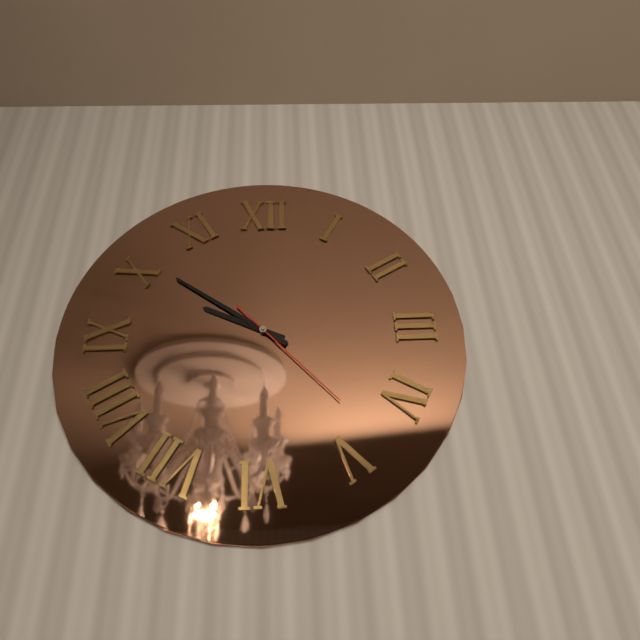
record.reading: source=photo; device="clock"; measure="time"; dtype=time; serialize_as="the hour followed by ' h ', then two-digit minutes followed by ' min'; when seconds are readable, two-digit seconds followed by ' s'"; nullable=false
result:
9 h 51 min 23 s
